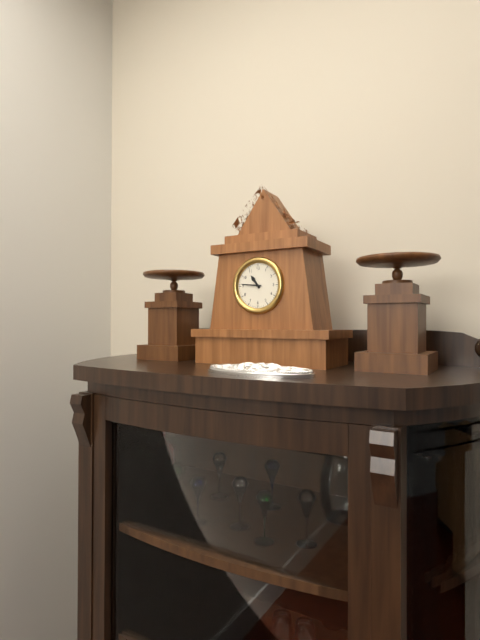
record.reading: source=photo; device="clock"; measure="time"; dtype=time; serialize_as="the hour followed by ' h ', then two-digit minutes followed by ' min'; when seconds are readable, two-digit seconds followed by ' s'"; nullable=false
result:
10 h 46 min
